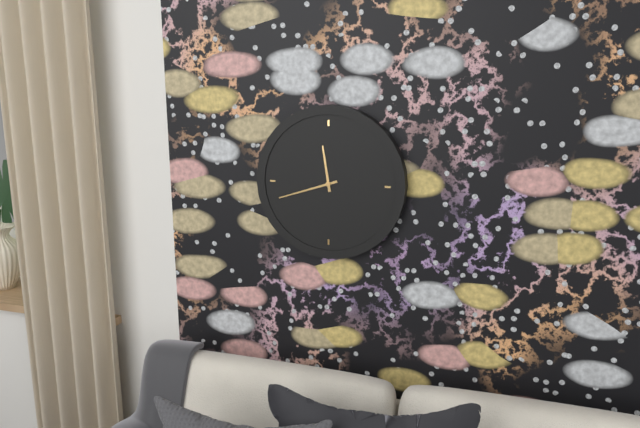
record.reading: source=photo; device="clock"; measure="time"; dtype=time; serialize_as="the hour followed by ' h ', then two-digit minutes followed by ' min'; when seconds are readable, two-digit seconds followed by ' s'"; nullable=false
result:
11 h 42 min
